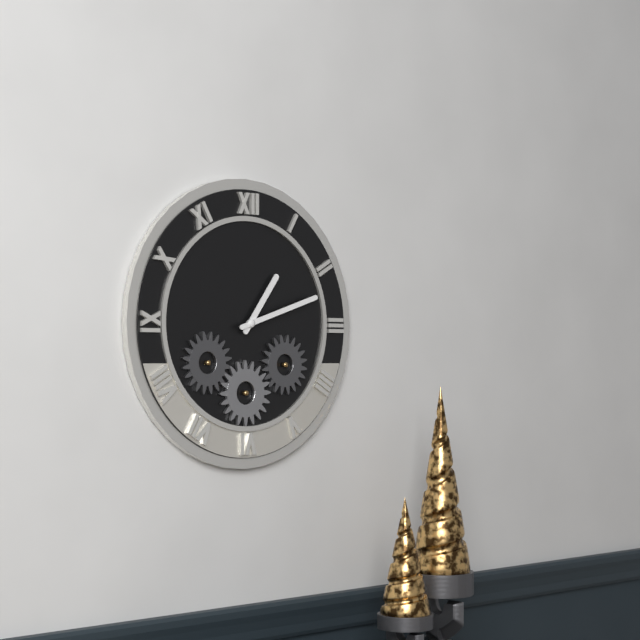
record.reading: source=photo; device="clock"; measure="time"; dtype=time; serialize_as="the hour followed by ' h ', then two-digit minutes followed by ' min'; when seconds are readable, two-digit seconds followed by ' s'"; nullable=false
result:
1 h 12 min
